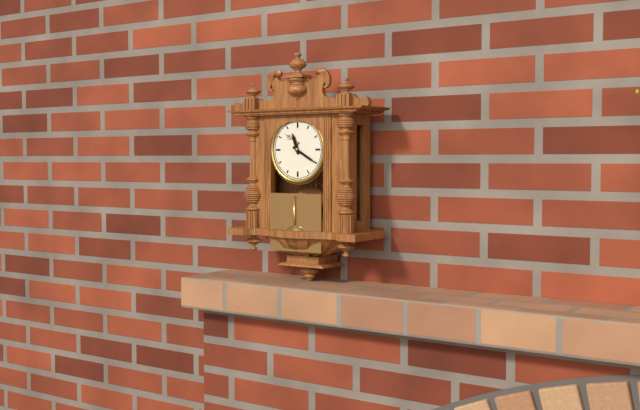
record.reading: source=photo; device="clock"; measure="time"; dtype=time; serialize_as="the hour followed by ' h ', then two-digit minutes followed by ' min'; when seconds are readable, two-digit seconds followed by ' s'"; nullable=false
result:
11 h 20 min
